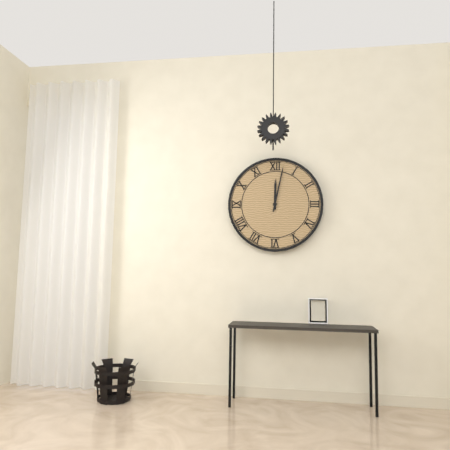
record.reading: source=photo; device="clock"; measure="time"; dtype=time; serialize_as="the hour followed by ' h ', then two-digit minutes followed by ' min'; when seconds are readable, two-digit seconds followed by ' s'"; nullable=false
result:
12 h 02 min
